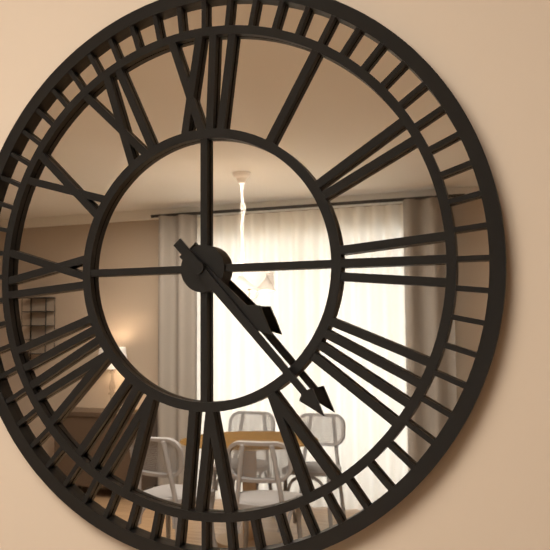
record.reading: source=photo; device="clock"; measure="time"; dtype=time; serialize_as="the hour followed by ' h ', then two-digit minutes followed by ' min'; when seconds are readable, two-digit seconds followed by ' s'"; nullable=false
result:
4 h 23 min
